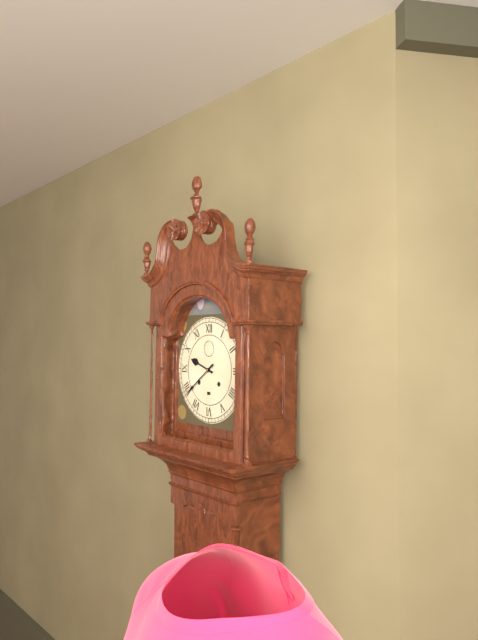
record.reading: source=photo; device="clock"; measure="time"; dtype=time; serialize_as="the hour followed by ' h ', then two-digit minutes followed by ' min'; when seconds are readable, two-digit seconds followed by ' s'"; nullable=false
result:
9 h 39 min
